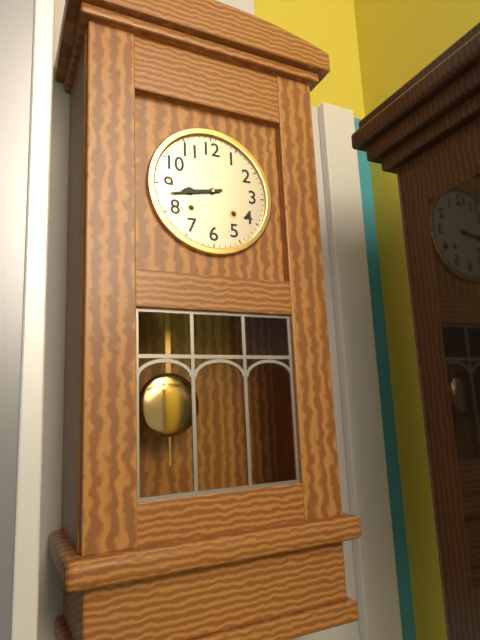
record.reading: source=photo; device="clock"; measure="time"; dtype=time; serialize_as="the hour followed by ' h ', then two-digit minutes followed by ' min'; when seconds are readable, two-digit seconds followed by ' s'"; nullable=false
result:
8 h 43 min
